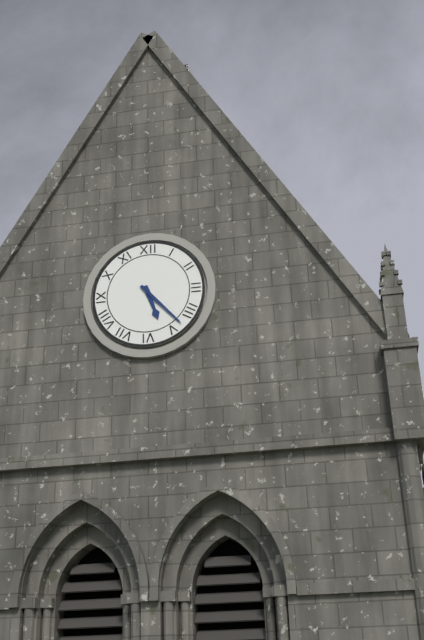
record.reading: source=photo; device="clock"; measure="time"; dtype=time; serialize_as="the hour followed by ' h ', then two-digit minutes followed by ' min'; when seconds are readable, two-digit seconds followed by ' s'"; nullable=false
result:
5 h 23 min
